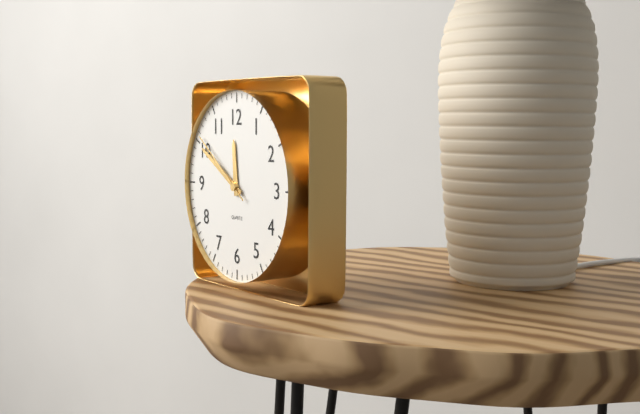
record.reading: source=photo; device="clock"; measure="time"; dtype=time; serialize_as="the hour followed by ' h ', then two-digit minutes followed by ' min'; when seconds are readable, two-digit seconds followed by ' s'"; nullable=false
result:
11 h 50 min 51 s
